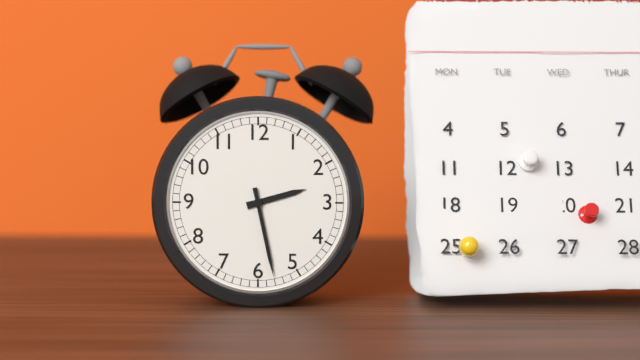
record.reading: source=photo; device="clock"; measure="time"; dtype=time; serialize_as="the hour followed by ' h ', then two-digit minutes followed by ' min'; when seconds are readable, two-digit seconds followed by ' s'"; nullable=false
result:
2 h 28 min
